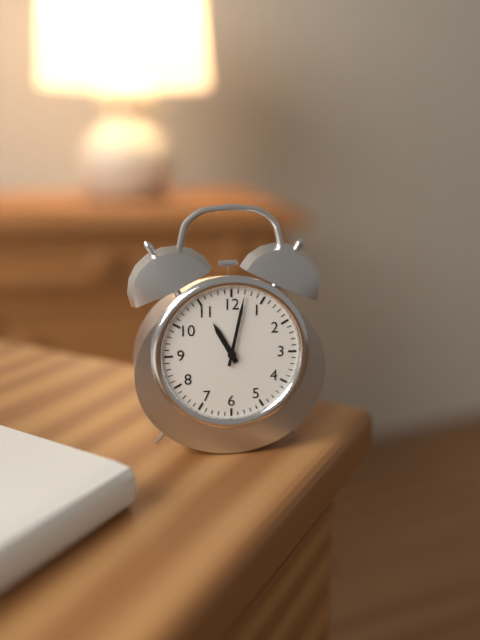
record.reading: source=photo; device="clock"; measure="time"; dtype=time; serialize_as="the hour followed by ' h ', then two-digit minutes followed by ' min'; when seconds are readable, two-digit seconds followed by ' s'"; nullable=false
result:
11 h 02 min
